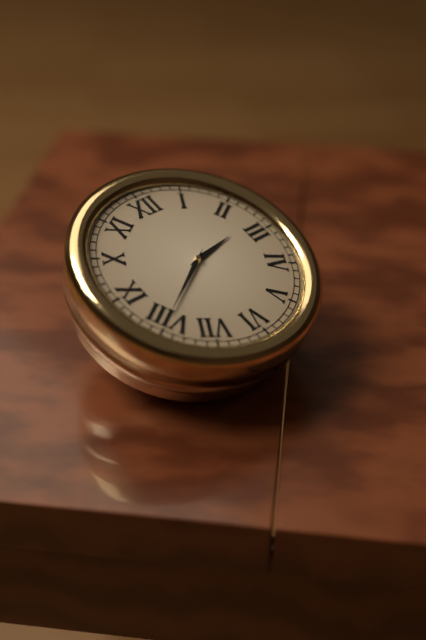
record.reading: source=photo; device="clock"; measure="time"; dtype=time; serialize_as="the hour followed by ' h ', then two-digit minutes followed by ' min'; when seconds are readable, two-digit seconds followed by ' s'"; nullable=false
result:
2 h 40 min
